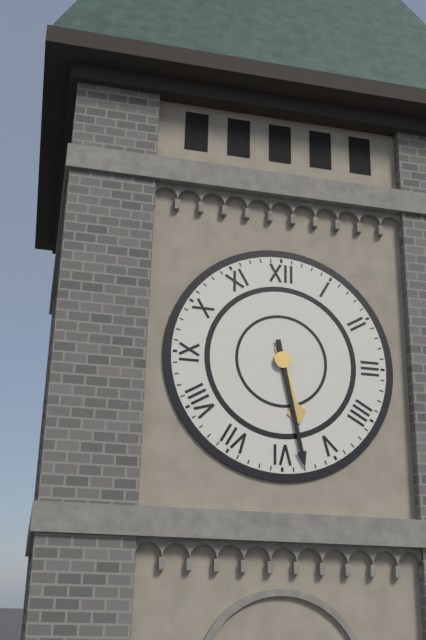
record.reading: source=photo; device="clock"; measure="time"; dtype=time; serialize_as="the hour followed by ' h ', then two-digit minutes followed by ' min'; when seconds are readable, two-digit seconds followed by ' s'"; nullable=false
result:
5 h 28 min
